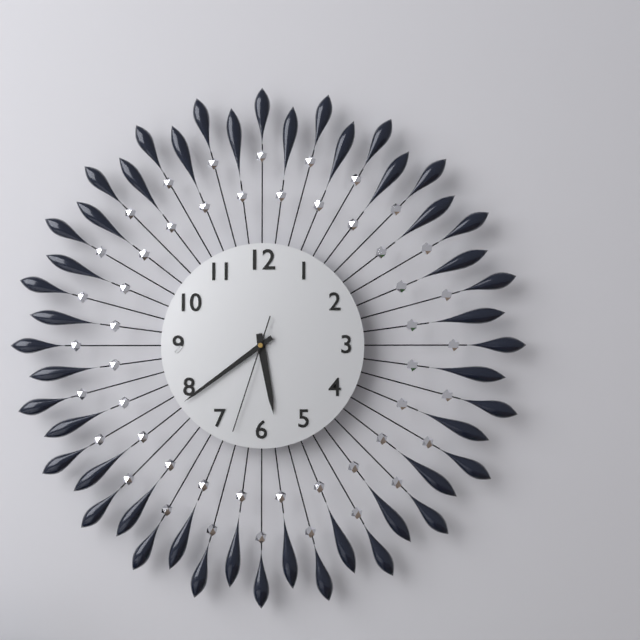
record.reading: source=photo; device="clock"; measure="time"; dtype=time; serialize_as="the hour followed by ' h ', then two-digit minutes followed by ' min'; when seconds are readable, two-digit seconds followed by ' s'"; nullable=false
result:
5 h 39 min 33 s
